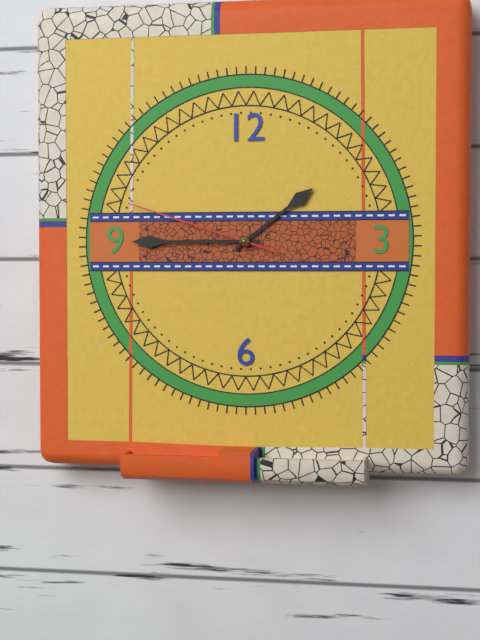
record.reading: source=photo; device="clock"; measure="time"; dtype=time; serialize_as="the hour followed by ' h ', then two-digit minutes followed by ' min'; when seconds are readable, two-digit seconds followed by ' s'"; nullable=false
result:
1 h 45 min 48 s
